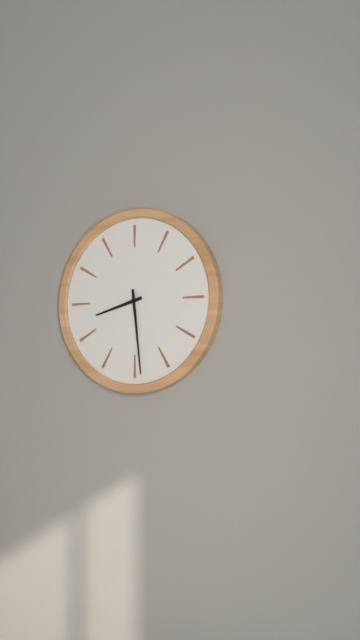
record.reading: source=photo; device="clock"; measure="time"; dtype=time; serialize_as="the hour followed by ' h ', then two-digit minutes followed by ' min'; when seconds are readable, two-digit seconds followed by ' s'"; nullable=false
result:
8 h 29 min
